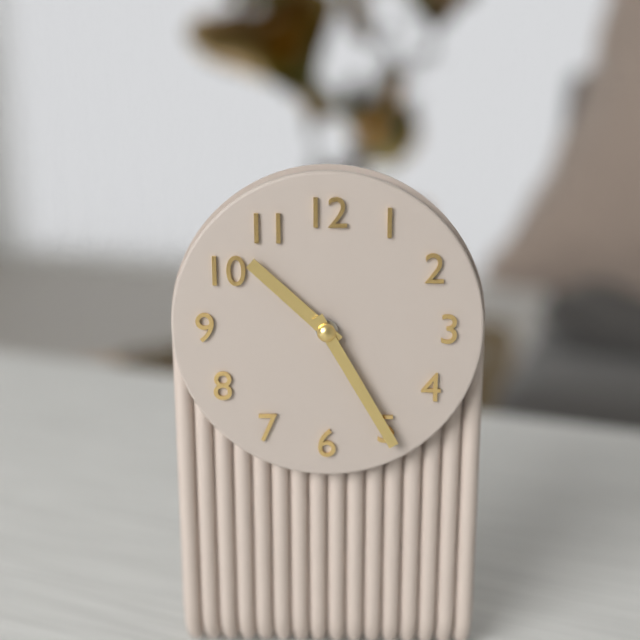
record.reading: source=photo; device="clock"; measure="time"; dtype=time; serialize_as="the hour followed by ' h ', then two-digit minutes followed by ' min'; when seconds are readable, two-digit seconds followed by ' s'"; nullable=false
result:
10 h 25 min
